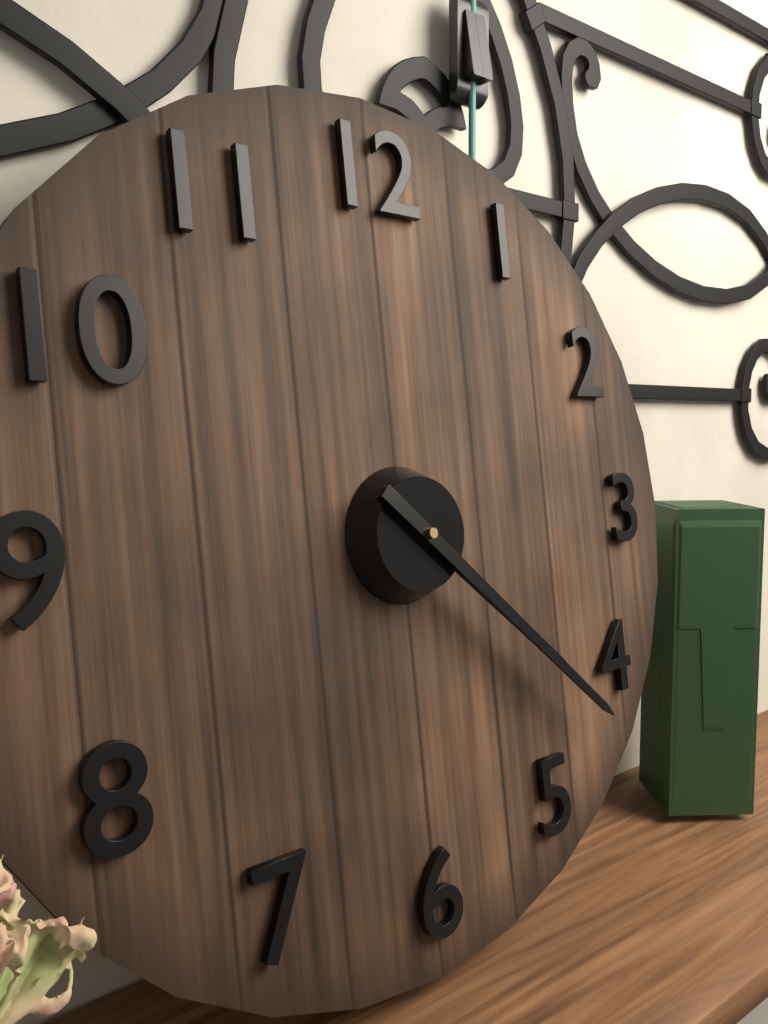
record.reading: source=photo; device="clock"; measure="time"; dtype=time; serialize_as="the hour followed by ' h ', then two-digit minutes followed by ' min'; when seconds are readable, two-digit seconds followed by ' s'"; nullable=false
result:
4 h 22 min
